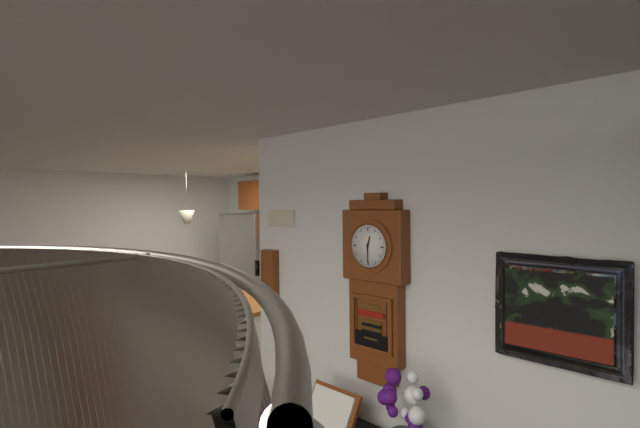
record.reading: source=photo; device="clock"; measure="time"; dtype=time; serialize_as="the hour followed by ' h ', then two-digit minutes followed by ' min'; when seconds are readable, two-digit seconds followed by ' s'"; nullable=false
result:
12 h 30 min
